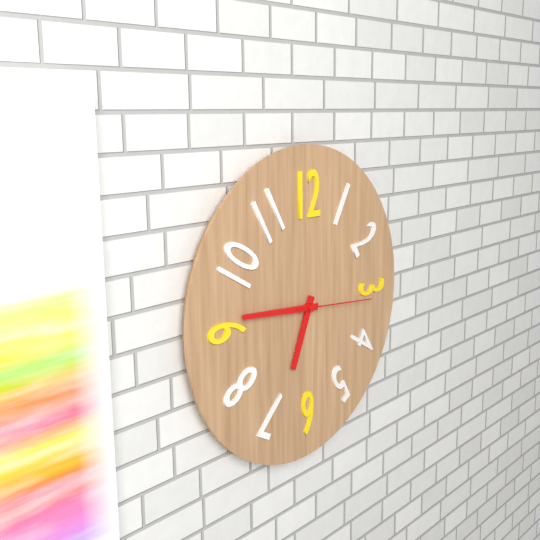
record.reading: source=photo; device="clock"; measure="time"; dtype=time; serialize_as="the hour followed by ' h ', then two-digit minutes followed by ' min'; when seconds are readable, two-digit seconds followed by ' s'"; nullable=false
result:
6 h 46 min 16 s
